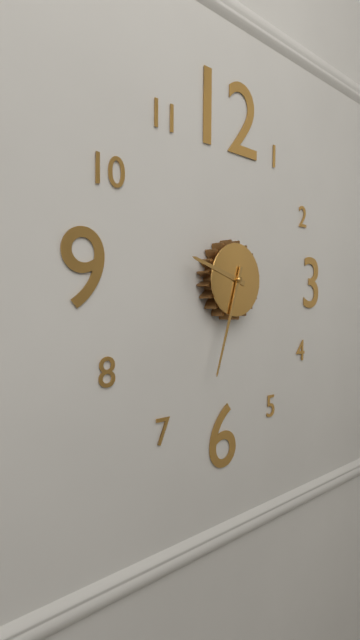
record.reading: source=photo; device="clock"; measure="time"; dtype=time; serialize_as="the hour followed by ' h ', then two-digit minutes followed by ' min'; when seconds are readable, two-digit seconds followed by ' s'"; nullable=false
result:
9 h 33 min
